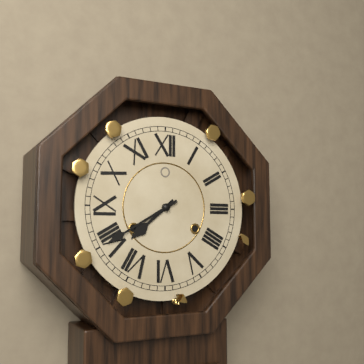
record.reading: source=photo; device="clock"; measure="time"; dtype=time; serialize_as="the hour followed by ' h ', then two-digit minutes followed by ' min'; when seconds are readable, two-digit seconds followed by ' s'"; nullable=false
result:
7 h 40 min
